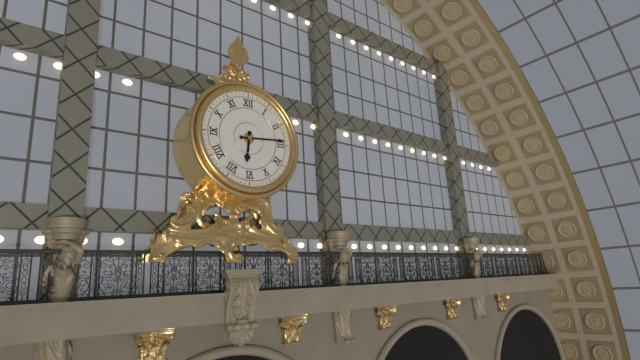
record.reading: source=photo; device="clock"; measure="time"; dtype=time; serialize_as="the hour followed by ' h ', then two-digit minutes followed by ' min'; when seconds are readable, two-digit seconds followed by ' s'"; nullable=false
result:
6 h 14 min
